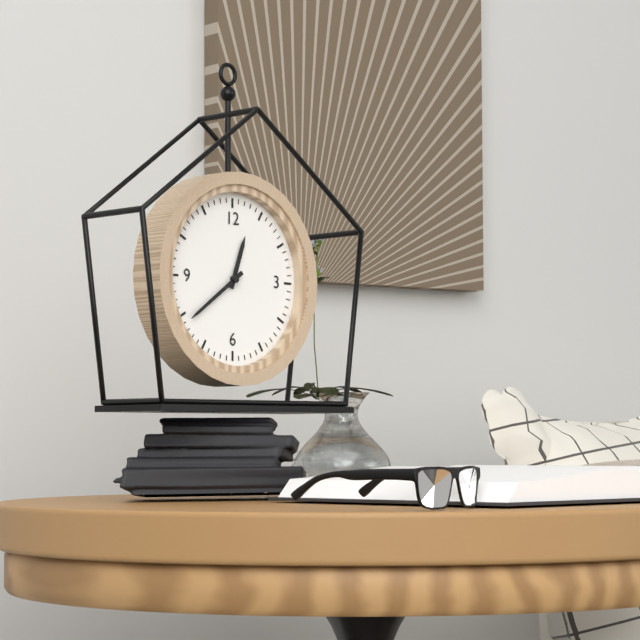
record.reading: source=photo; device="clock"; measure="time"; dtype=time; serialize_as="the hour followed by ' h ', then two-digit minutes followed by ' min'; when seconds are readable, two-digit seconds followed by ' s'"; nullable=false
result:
12 h 39 min
